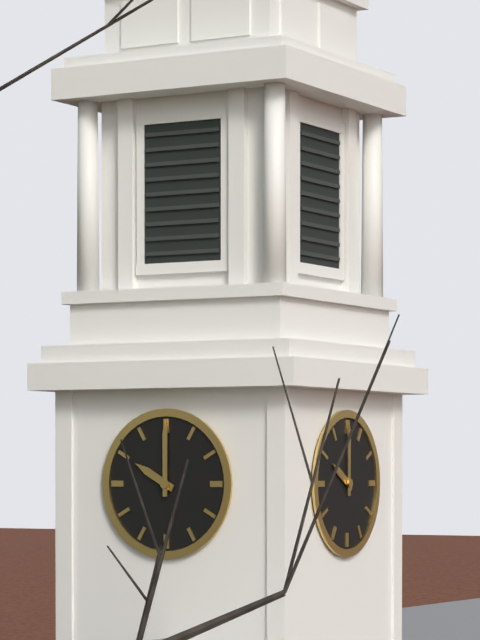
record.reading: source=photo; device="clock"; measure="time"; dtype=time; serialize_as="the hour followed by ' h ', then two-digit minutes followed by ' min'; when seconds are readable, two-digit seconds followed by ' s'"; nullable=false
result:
10 h 00 min
